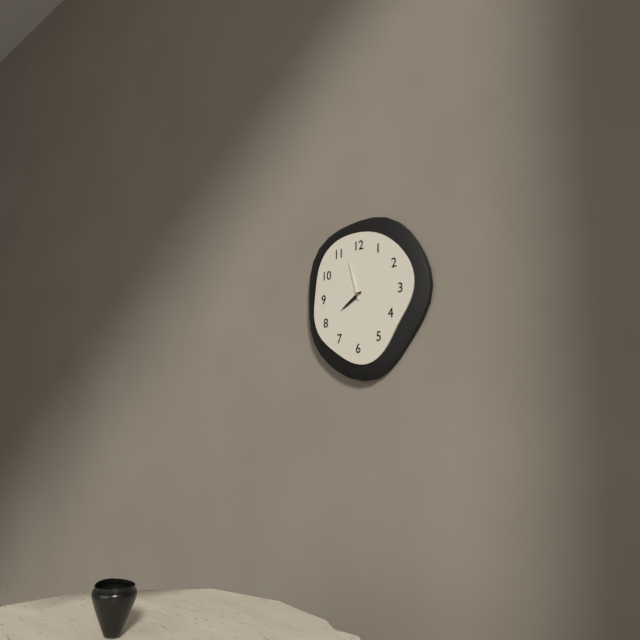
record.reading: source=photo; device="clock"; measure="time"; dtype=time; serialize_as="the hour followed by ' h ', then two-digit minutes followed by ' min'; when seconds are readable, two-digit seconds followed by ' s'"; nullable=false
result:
7 h 57 min
